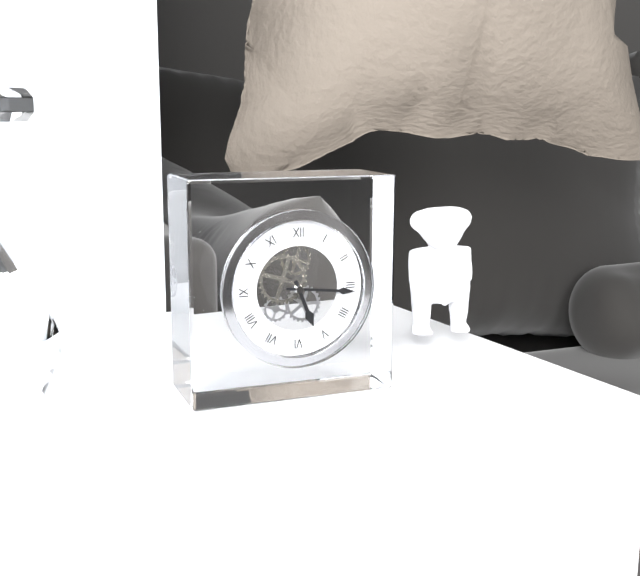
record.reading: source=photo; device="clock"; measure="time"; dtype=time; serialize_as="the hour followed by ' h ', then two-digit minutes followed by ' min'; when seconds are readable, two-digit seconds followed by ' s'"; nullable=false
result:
5 h 16 min
